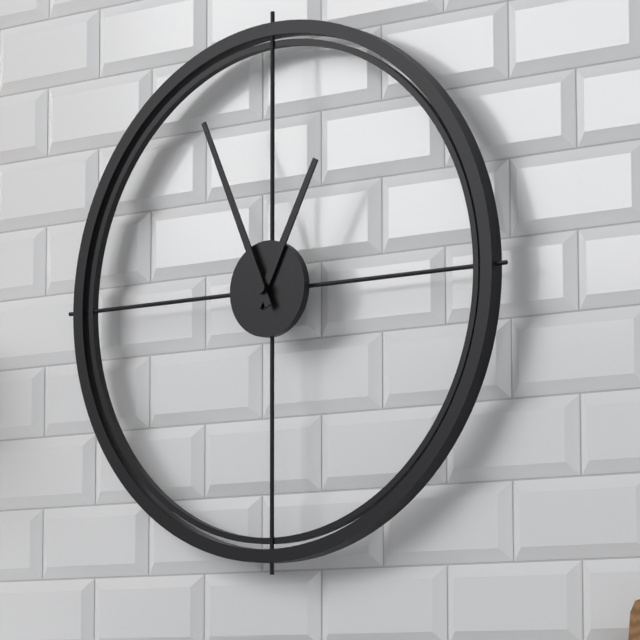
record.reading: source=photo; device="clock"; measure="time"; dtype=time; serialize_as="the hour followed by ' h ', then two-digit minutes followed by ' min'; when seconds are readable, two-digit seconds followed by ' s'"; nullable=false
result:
12 h 56 min
